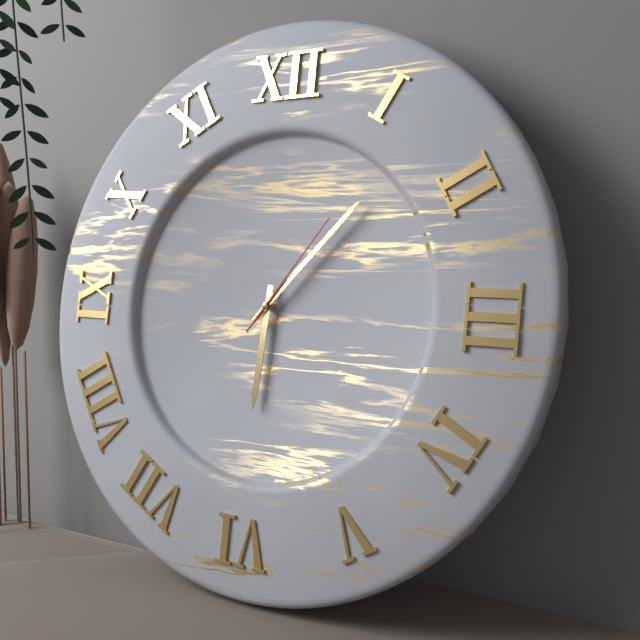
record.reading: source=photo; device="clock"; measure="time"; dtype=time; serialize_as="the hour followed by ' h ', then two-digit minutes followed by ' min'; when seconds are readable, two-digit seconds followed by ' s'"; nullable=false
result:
6 h 07 min 06 s
